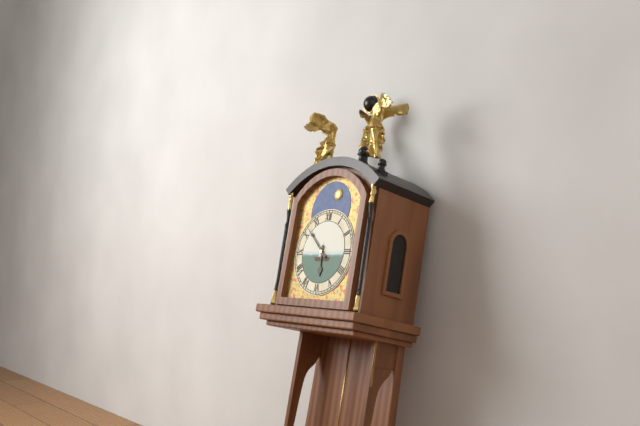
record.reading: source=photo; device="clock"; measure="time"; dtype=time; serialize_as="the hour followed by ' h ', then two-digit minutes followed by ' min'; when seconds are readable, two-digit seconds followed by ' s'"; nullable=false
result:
5 h 52 min
